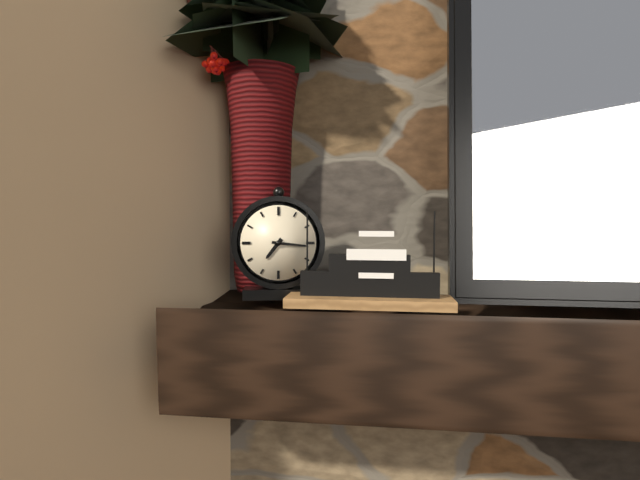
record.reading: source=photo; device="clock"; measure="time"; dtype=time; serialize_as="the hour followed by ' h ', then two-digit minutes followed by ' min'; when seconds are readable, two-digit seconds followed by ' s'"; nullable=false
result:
7 h 16 min
